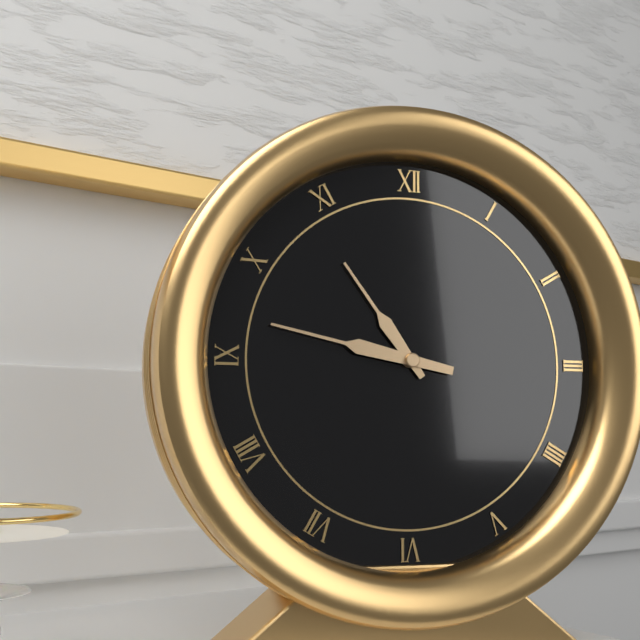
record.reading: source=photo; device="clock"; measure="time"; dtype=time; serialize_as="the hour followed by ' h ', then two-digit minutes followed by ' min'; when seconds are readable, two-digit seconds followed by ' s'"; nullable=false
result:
10 h 47 min
